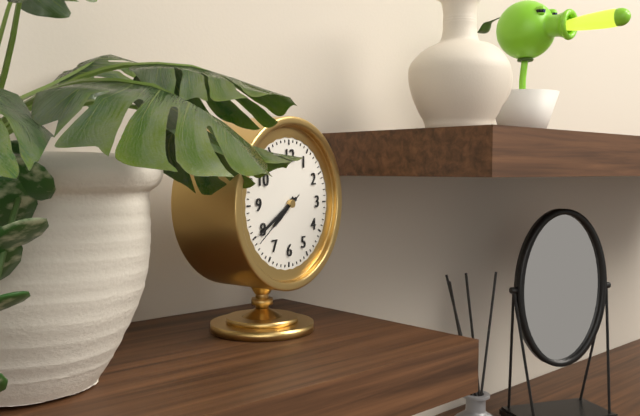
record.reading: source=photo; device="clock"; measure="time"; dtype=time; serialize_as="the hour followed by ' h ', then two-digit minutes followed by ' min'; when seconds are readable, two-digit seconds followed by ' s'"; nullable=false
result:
7 h 40 min 39 s
